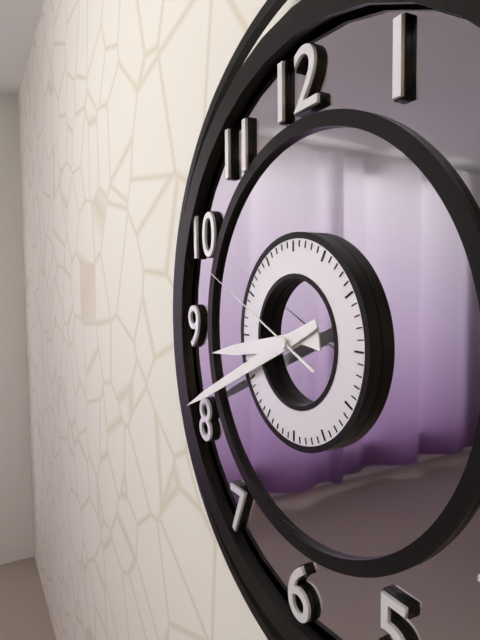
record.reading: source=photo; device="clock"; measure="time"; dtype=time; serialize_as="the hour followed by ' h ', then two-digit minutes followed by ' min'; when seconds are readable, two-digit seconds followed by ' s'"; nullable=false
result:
8 h 41 min 49 s
